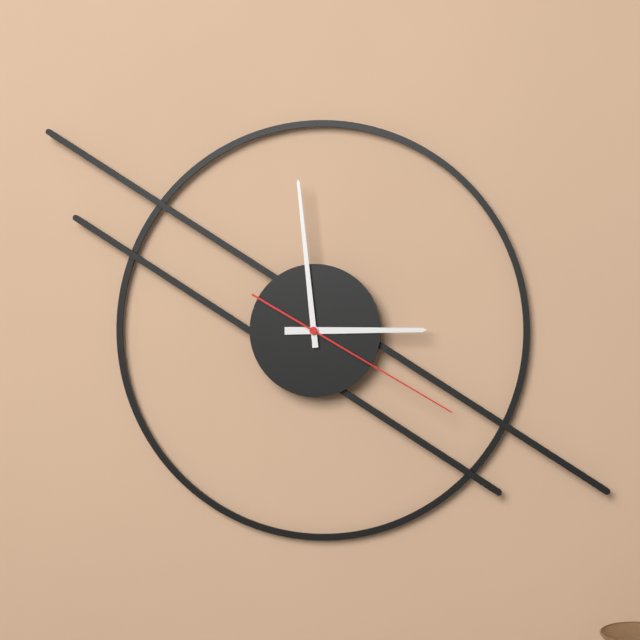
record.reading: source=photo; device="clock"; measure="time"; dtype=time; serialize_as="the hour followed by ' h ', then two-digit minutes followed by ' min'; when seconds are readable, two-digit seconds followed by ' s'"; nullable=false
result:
2 h 59 min 20 s
